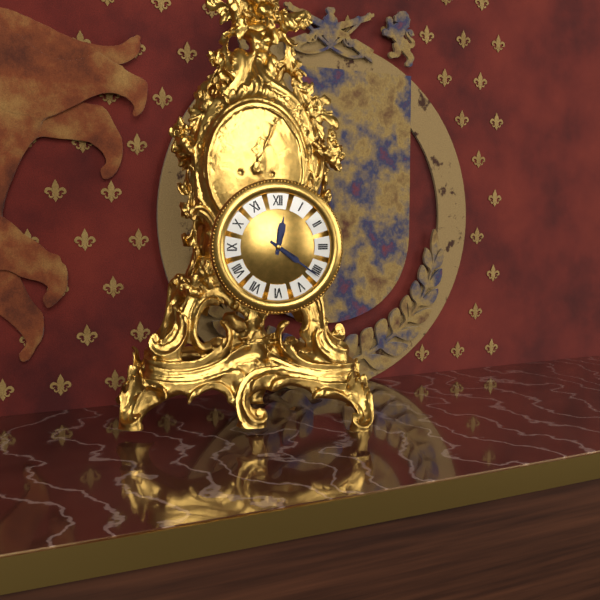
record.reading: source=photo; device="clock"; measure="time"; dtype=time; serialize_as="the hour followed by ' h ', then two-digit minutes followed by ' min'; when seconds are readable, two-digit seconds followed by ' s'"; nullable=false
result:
12 h 21 min
